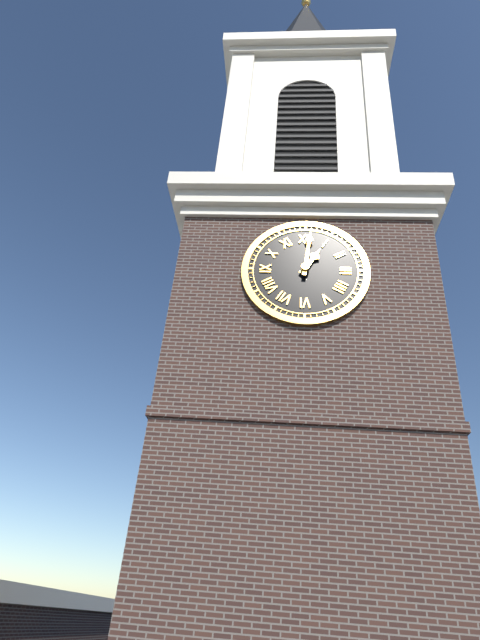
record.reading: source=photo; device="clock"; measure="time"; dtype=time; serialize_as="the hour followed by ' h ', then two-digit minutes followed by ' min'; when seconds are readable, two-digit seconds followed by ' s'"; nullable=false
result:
1 h 01 min
